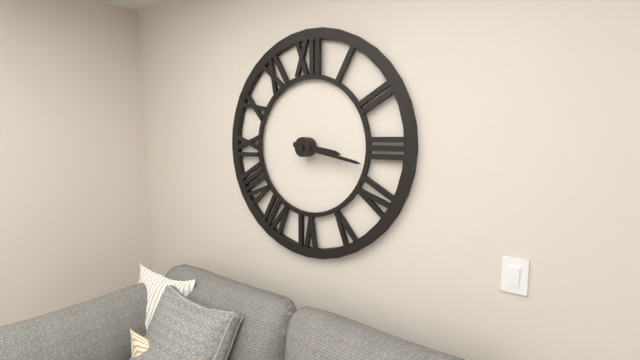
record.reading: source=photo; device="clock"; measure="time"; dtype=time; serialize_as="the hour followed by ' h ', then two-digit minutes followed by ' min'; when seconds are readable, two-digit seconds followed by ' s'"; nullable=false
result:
3 h 17 min
